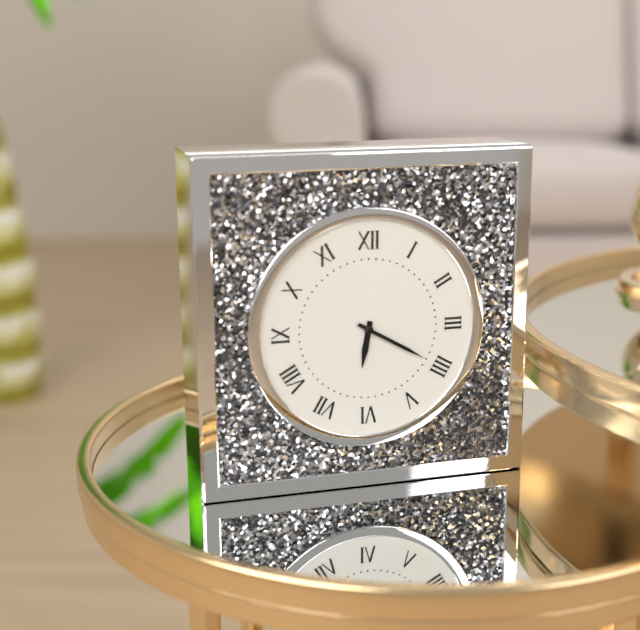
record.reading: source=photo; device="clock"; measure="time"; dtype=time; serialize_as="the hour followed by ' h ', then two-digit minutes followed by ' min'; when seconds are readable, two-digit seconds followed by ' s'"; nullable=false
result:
6 h 20 min
